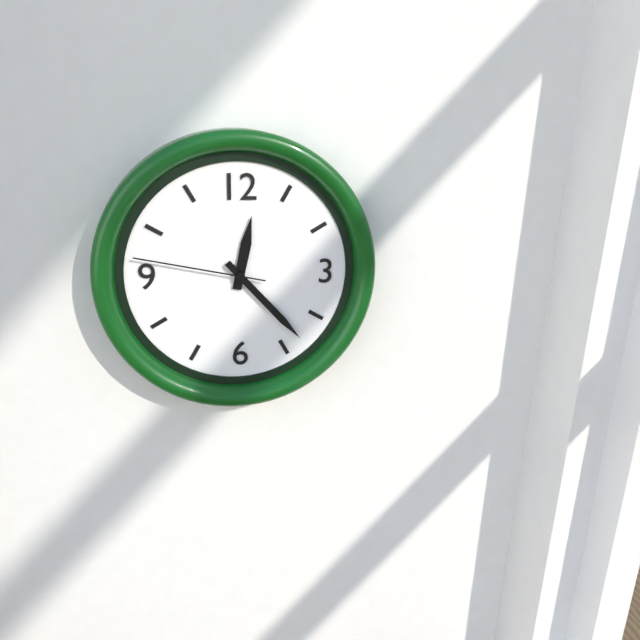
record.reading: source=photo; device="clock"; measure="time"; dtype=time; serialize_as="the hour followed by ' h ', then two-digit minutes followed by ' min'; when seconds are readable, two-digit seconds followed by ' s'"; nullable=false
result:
12 h 23 min 47 s
